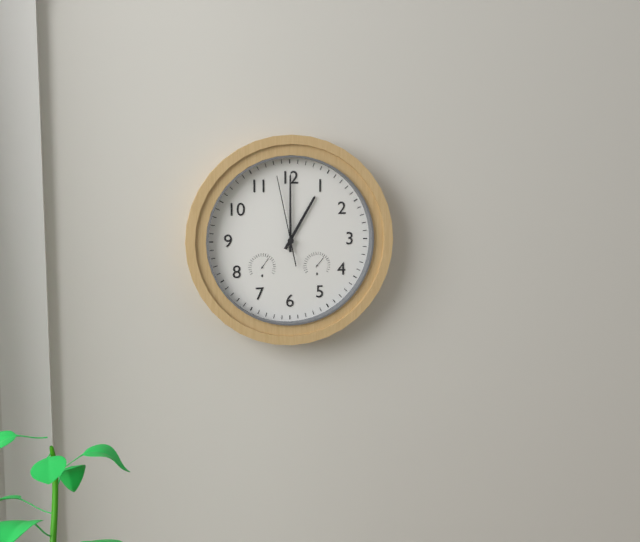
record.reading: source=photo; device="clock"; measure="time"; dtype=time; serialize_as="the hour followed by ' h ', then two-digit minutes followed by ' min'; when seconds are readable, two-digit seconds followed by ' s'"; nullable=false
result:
1 h 00 min 58 s
